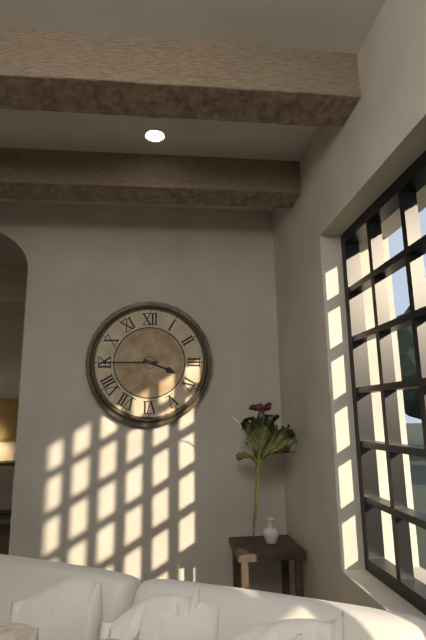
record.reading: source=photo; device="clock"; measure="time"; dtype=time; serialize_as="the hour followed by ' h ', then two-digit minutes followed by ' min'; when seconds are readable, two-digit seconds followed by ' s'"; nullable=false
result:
3 h 45 min
